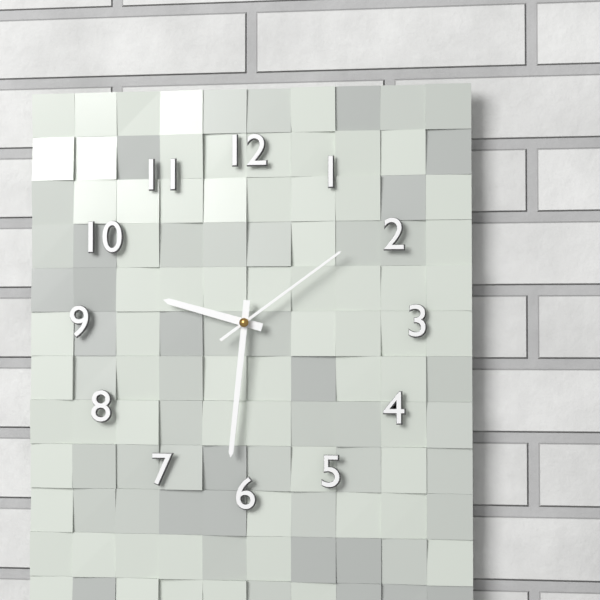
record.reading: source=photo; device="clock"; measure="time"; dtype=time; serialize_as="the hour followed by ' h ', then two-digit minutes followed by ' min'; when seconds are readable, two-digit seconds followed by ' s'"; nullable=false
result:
9 h 31 min 09 s
